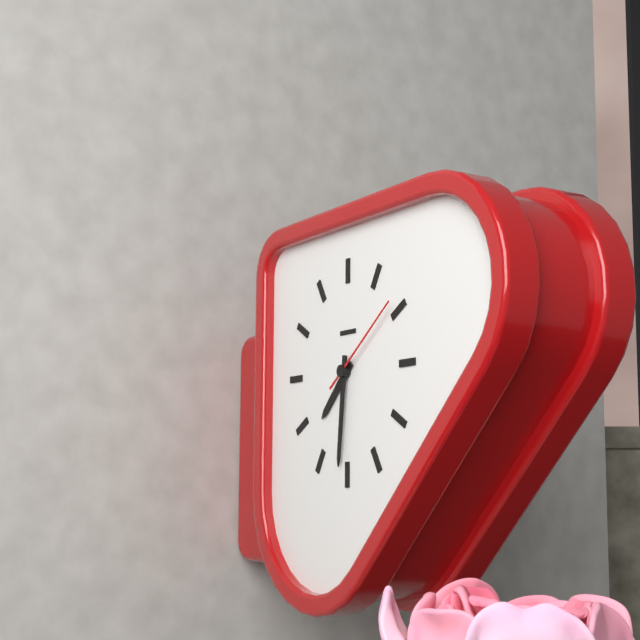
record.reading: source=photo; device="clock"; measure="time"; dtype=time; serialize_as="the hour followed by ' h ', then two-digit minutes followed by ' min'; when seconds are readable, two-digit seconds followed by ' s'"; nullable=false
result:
7 h 31 min 09 s
